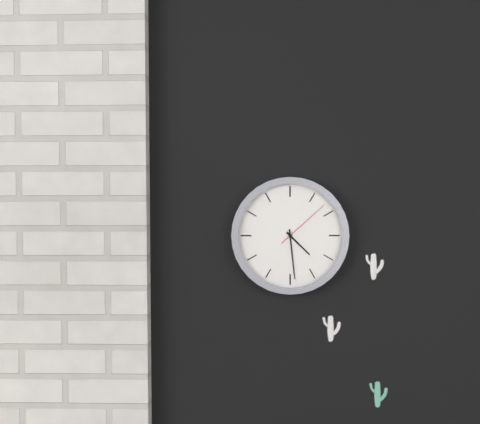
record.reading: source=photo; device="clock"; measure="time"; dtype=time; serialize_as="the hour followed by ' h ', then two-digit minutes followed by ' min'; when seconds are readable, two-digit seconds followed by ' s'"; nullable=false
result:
4 h 29 min 08 s
